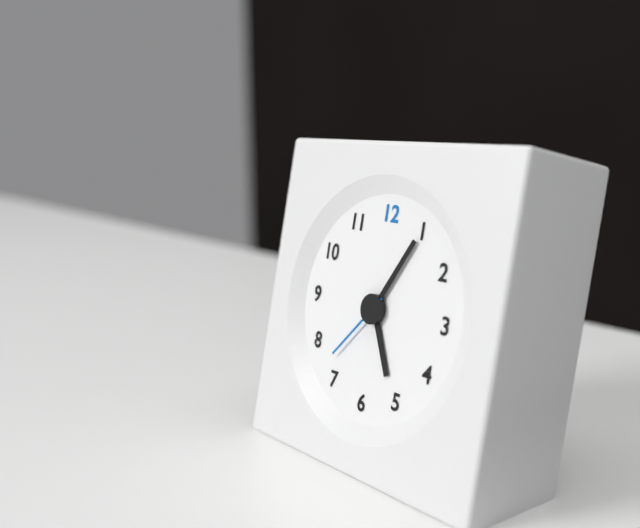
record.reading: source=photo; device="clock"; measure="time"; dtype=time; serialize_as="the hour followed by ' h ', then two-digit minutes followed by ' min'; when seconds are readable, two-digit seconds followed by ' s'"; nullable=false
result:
5 h 05 min 37 s
